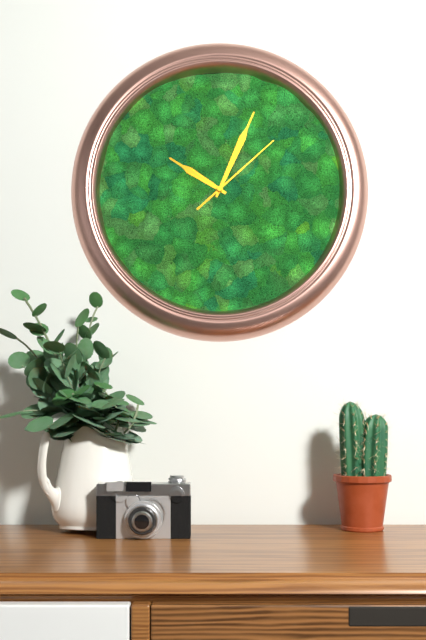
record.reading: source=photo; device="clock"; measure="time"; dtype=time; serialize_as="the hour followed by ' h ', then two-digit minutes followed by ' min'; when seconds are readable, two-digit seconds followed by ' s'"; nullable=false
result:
10 h 04 min 08 s
